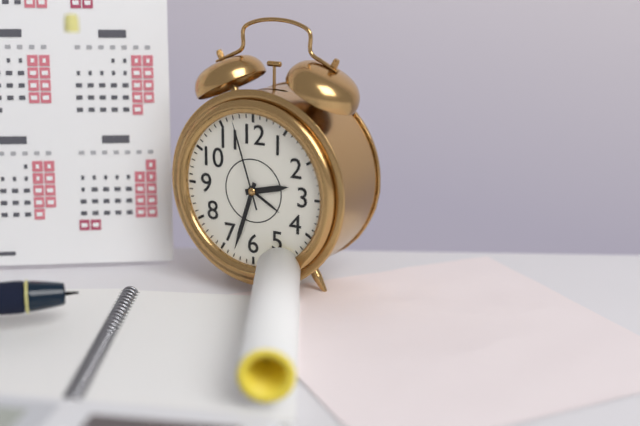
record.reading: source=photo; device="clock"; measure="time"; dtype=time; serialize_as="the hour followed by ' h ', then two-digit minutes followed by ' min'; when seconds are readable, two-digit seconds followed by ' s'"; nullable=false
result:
2 h 33 min 57 s
